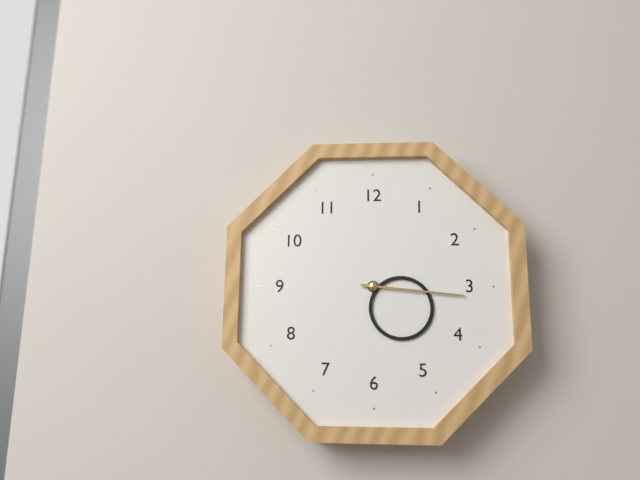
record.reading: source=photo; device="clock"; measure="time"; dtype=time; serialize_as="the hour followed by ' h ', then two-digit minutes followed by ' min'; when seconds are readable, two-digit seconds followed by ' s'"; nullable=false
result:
4 h 16 min
